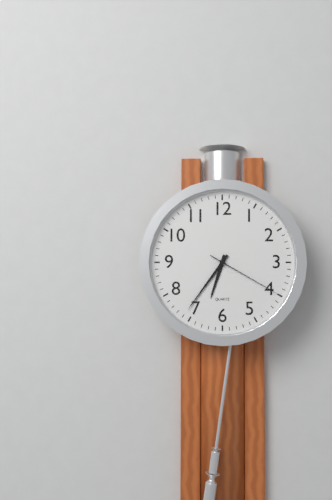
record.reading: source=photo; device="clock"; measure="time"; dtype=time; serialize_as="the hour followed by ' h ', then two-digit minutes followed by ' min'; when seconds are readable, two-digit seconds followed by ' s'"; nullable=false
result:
6 h 36 min 20 s
